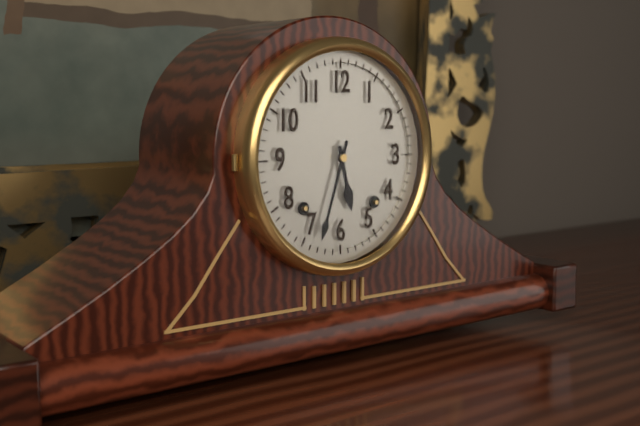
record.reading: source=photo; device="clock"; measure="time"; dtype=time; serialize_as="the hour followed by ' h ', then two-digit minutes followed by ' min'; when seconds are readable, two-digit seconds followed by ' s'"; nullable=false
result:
5 h 33 min
